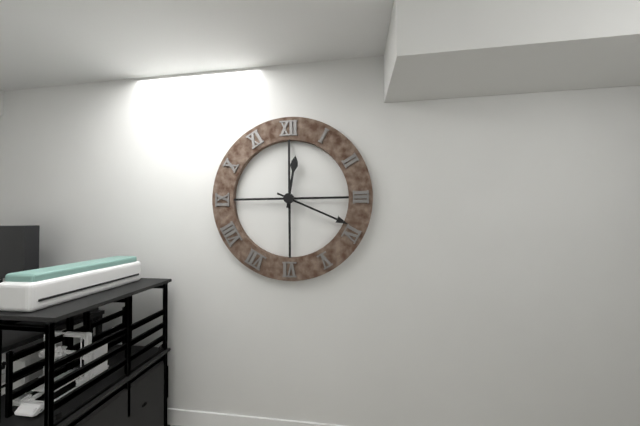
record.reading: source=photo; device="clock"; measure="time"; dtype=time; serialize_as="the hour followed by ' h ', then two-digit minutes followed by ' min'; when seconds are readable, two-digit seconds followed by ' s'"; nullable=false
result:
12 h 19 min
